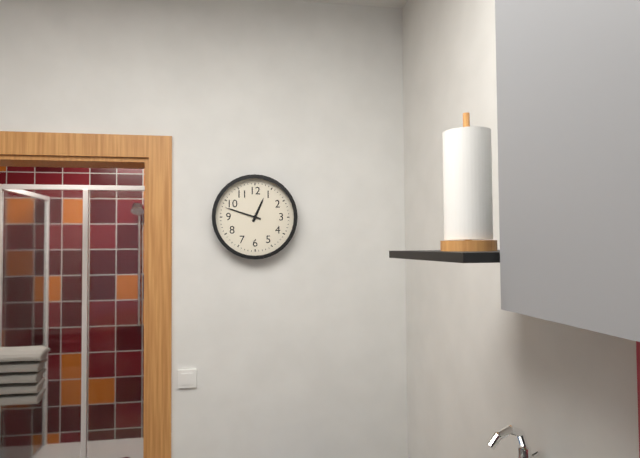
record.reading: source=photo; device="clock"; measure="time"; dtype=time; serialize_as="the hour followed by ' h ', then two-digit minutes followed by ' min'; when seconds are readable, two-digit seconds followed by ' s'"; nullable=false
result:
12 h 48 min
